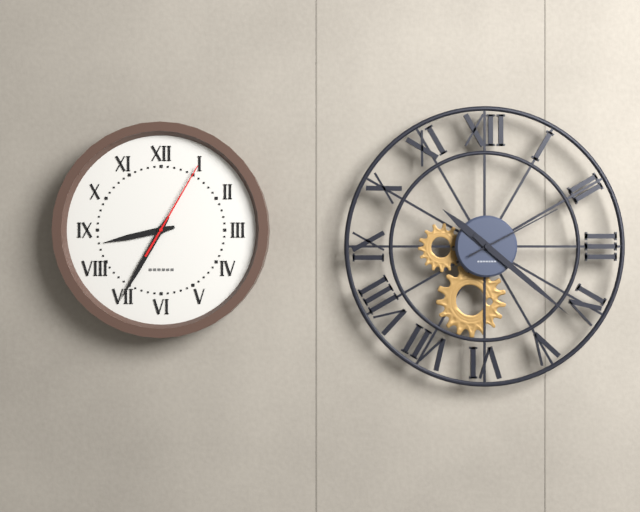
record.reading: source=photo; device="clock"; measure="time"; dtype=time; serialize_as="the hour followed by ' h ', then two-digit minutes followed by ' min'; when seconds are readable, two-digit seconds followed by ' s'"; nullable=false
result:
8 h 35 min 05 s
